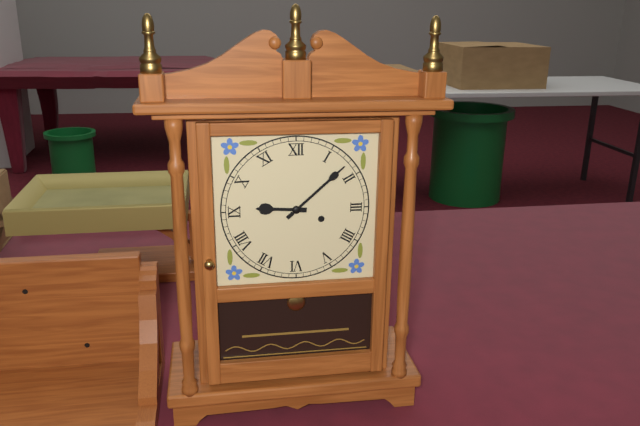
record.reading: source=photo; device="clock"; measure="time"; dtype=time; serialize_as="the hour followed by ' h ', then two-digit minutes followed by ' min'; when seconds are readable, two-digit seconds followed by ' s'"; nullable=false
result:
9 h 08 min
